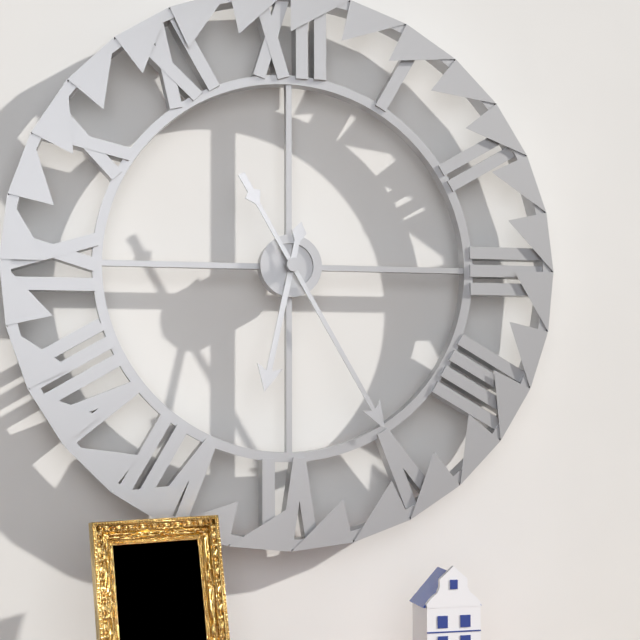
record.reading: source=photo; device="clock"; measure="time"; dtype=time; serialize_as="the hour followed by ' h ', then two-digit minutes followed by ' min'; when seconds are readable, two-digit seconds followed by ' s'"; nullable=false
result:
6 h 25 min
